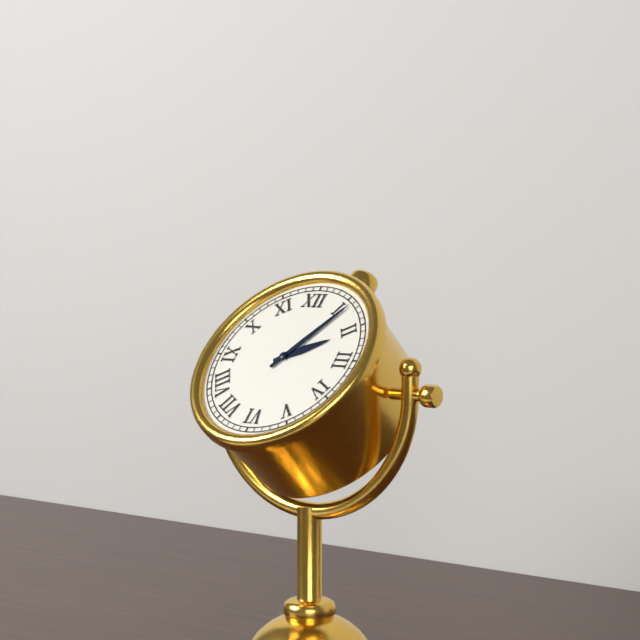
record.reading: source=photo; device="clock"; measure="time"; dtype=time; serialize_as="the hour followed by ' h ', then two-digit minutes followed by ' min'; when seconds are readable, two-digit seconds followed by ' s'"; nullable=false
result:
2 h 06 min
